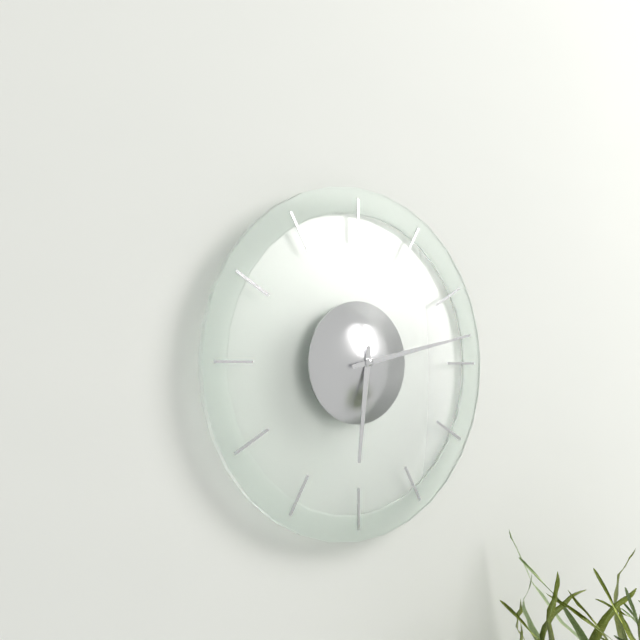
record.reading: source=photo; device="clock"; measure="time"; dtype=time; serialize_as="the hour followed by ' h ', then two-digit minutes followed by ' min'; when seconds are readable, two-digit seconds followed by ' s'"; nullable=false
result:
6 h 13 min
